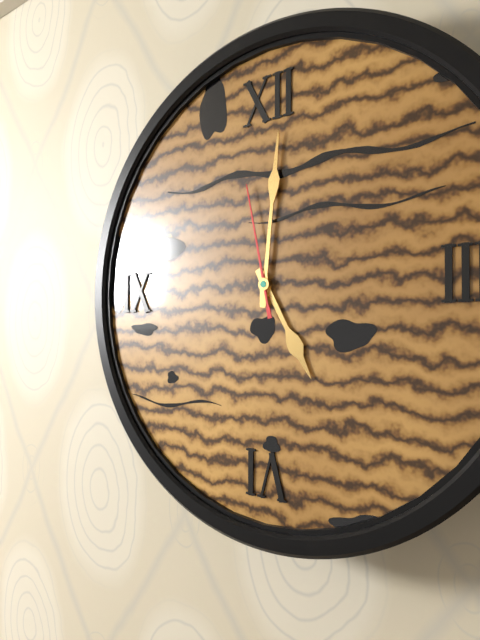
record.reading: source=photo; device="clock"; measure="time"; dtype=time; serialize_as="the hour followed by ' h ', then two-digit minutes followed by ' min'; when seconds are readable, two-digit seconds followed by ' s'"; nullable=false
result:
5 h 01 min 58 s
